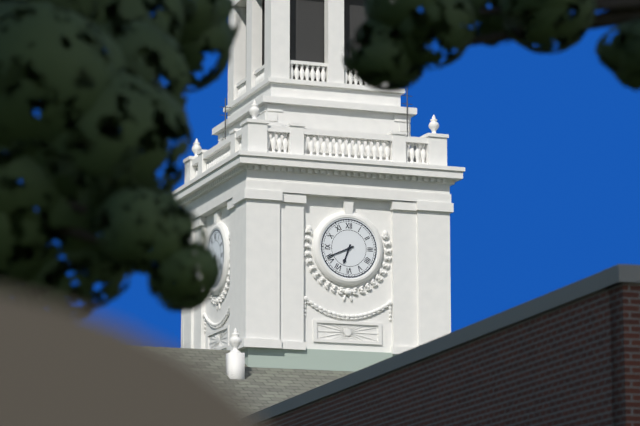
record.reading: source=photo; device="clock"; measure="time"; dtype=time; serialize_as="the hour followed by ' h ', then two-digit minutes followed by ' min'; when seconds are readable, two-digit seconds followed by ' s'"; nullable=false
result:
6 h 41 min
